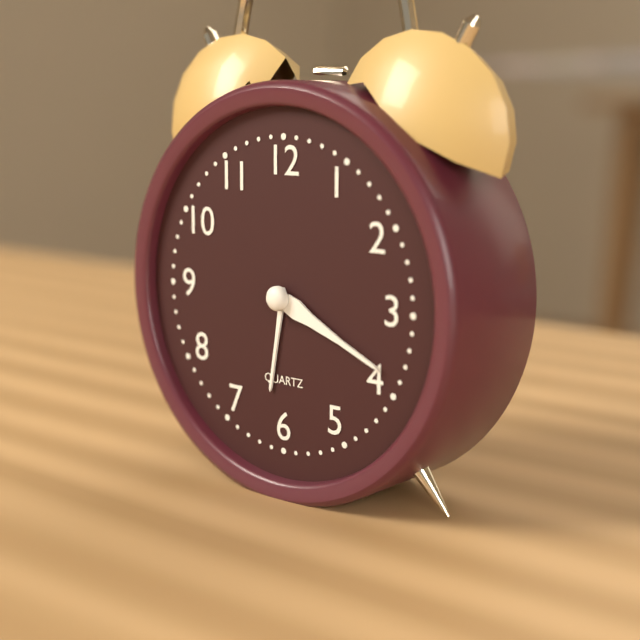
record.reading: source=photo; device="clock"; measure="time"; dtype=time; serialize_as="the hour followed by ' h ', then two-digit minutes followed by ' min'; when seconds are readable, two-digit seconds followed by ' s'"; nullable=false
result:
6 h 19 min
